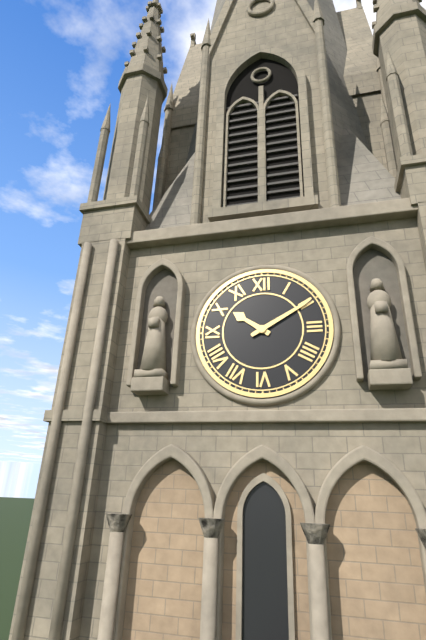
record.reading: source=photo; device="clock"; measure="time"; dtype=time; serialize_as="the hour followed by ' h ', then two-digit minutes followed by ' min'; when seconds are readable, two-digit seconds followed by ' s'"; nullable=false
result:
10 h 10 min
